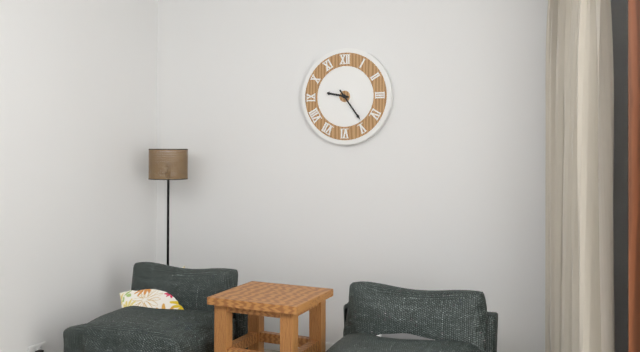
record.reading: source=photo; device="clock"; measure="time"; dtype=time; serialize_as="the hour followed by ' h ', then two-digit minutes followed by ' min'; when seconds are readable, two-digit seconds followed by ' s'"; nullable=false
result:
9 h 24 min
